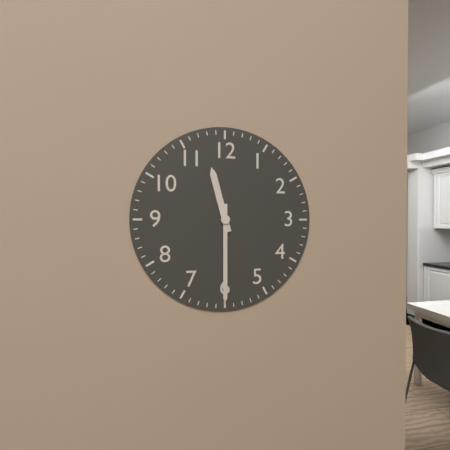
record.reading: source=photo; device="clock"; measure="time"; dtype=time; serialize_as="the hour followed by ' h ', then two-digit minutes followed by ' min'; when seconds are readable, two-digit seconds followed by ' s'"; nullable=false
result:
11 h 30 min
